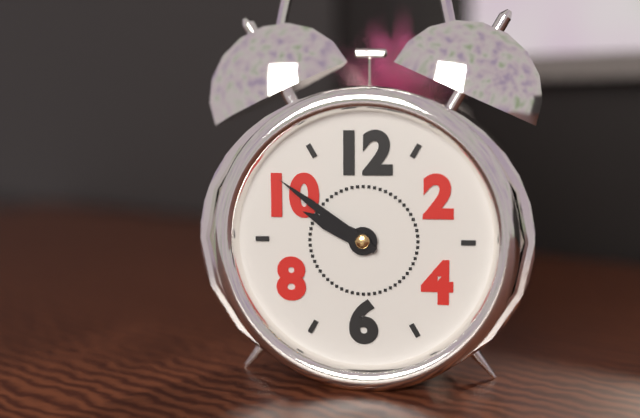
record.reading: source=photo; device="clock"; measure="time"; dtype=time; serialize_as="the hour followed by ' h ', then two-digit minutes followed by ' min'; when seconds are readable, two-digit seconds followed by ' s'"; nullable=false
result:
9 h 51 min
